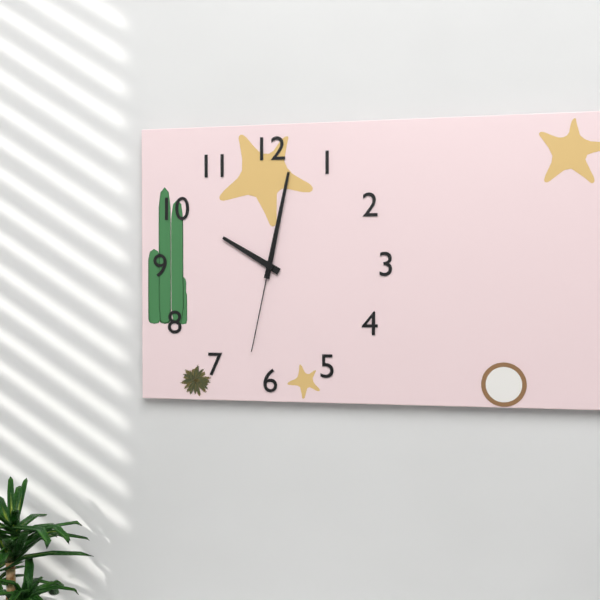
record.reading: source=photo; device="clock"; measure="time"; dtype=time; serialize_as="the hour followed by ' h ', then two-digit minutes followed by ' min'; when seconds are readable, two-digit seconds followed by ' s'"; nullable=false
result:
10 h 02 min 32 s
